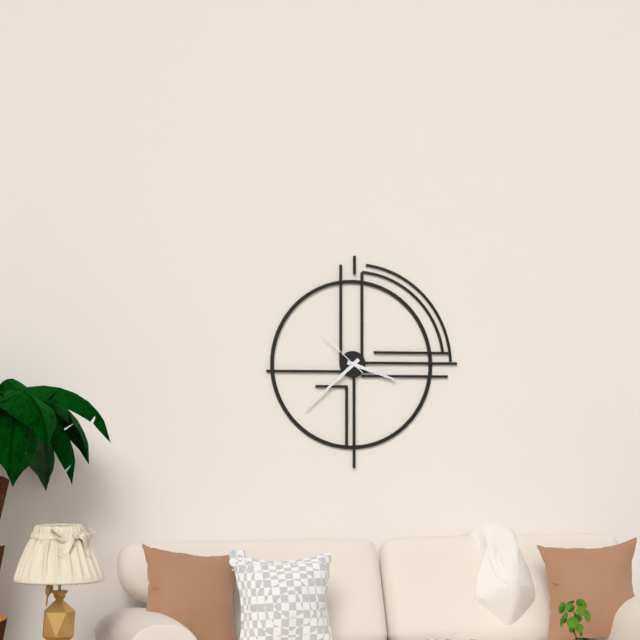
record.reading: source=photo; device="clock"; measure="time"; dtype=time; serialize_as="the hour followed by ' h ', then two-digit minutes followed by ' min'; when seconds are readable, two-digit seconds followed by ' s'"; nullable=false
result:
3 h 38 min 52 s
